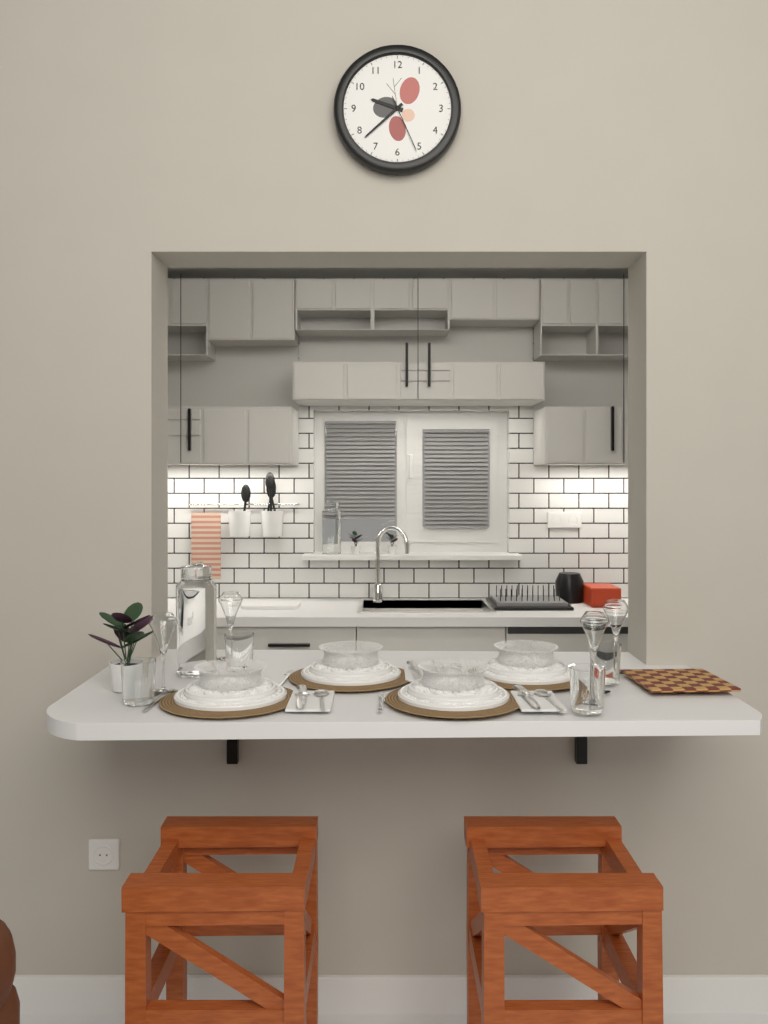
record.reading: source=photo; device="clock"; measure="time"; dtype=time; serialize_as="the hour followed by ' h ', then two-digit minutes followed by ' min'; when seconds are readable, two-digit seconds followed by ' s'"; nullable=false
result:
9 h 38 min 26 s
